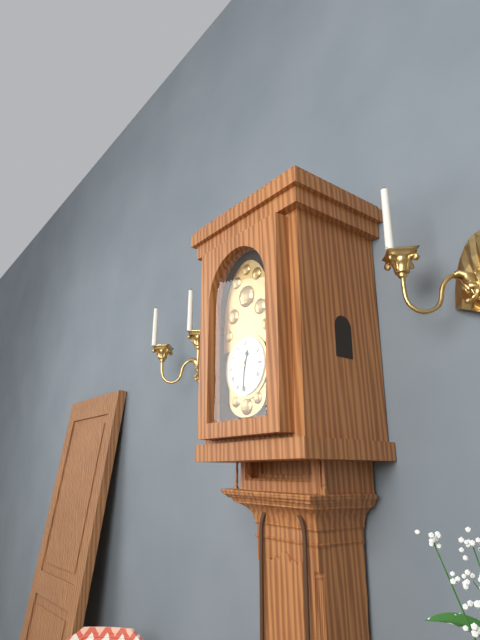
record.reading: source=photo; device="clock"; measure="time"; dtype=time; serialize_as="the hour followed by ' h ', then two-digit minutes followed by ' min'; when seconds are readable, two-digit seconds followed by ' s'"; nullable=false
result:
12 h 31 min
